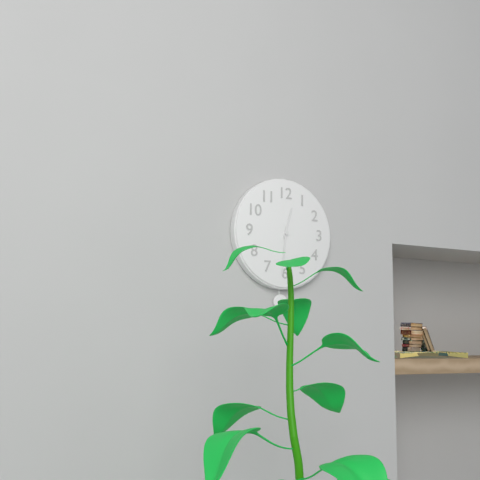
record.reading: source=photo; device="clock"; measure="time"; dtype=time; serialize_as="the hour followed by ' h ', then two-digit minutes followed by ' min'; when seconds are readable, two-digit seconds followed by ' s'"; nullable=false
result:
12 h 31 min
